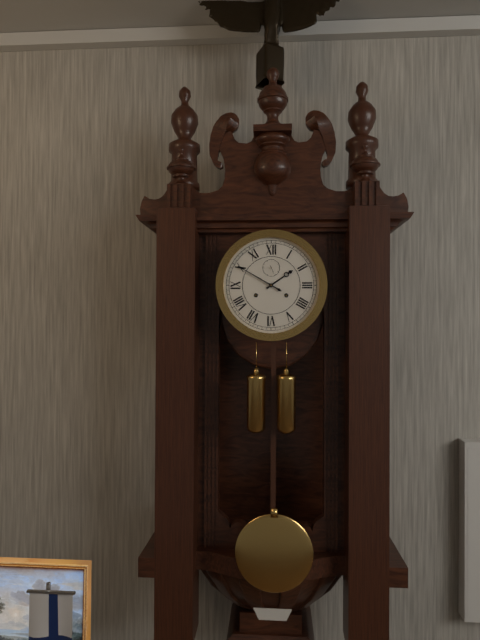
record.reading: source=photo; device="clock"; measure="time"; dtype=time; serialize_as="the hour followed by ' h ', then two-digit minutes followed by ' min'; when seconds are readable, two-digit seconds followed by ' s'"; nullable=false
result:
1 h 50 min
